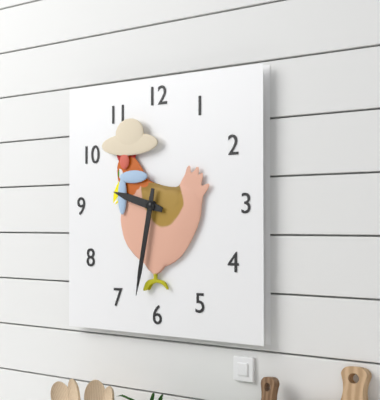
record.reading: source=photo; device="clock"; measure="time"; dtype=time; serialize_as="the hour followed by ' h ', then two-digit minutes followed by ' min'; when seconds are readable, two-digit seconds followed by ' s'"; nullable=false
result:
9 h 32 min
